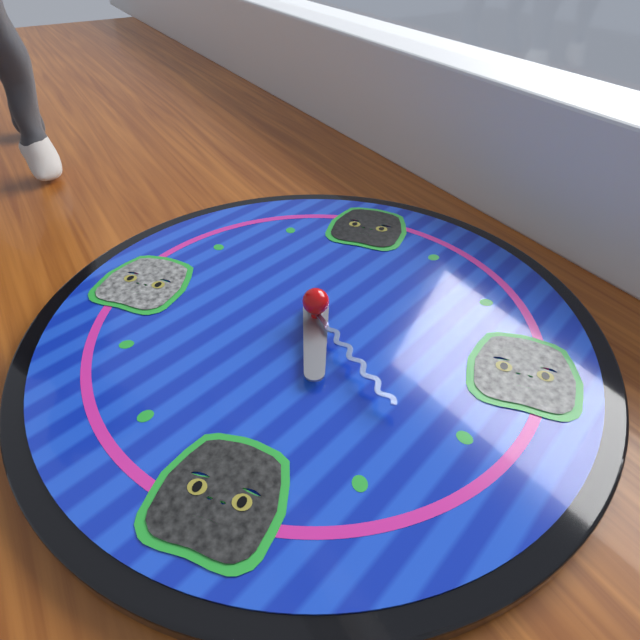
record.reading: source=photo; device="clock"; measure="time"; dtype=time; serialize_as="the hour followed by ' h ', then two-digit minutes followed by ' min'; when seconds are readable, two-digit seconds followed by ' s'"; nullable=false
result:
5 h 22 min
